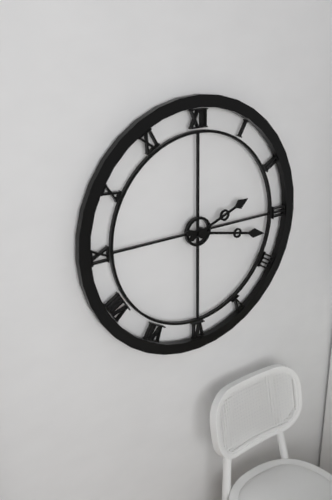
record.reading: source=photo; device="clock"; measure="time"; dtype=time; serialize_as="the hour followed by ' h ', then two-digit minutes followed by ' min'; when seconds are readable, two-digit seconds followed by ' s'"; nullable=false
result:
2 h 17 min
